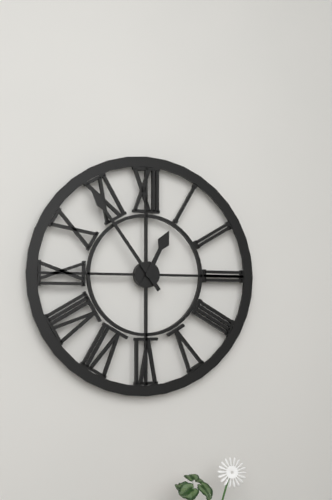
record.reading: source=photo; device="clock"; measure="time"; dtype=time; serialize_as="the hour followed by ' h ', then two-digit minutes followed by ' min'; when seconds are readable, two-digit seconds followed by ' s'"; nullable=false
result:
12 h 54 min
